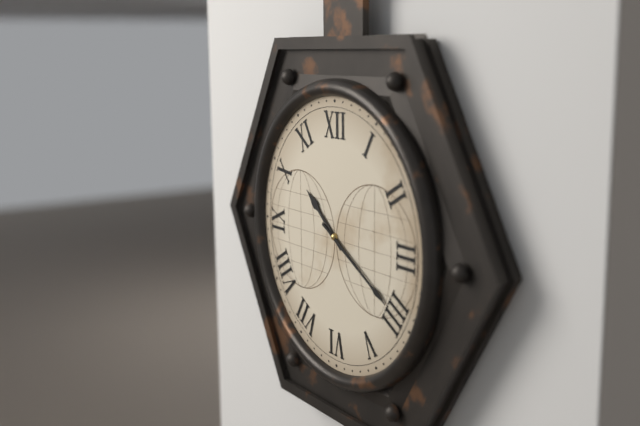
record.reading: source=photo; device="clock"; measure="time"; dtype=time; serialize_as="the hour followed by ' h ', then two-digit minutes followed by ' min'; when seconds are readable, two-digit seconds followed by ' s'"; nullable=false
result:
10 h 20 min
